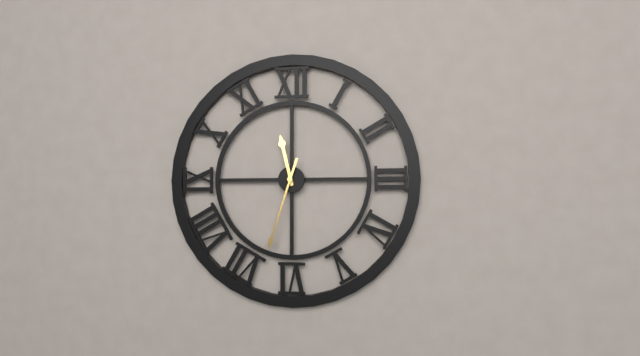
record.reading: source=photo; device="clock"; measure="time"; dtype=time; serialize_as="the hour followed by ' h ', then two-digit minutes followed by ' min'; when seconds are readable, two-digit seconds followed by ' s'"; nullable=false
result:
11 h 33 min
